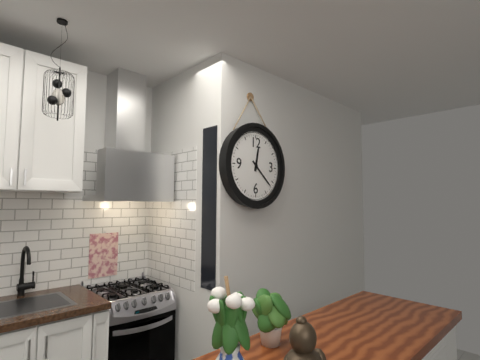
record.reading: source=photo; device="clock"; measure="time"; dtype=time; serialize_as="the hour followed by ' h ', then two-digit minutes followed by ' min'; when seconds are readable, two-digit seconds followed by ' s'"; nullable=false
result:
12 h 22 min
